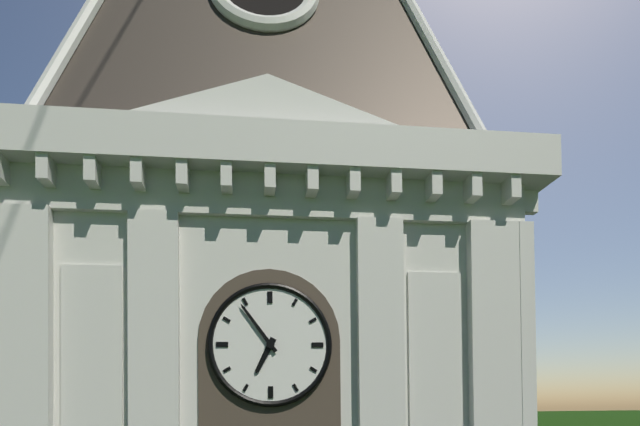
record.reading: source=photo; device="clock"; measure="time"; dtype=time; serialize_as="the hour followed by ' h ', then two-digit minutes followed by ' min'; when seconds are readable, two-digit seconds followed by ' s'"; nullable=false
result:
6 h 54 min
